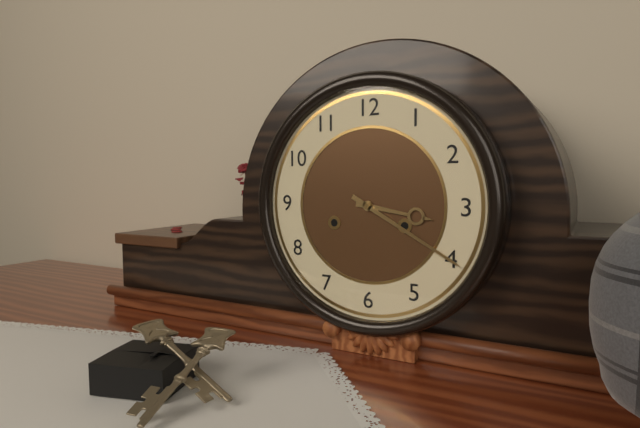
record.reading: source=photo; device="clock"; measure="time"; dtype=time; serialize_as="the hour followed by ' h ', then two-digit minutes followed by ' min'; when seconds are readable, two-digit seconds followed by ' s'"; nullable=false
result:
3 h 20 min
